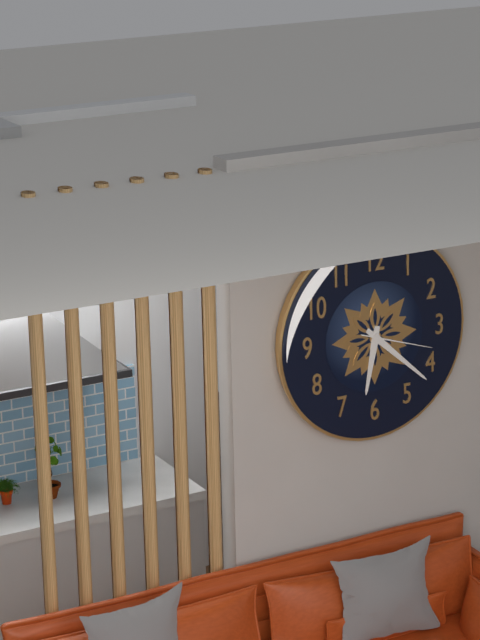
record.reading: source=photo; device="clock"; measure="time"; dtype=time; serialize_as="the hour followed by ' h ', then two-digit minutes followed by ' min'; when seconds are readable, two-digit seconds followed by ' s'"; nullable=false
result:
6 h 22 min 18 s
